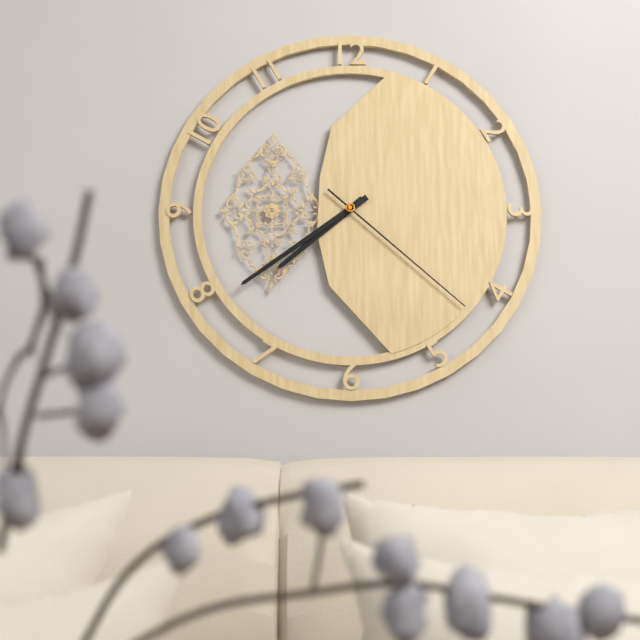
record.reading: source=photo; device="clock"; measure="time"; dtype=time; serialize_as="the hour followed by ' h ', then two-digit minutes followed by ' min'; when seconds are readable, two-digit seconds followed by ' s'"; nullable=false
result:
7 h 39 min 22 s
